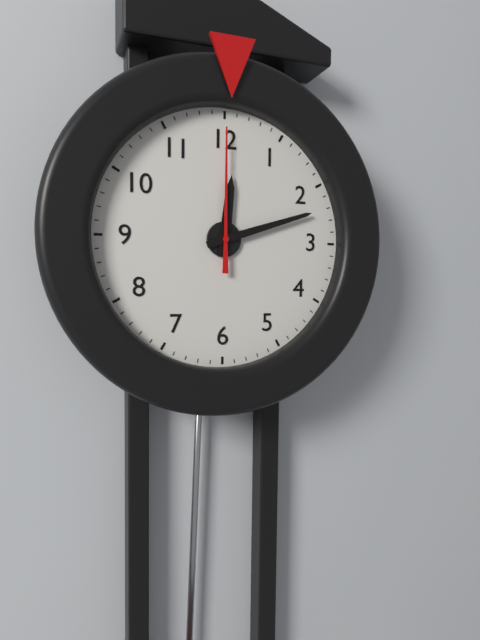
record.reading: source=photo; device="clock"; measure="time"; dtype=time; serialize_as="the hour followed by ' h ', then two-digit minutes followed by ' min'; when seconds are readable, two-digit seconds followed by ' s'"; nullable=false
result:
12 h 12 min 00 s
